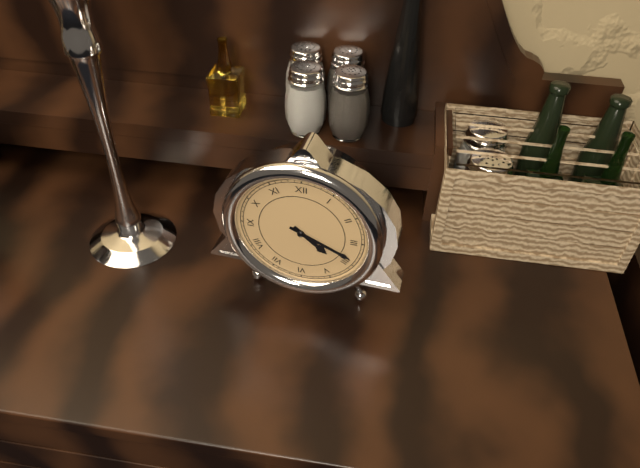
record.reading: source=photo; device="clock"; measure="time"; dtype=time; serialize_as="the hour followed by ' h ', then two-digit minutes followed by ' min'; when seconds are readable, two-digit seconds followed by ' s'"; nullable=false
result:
4 h 19 min
